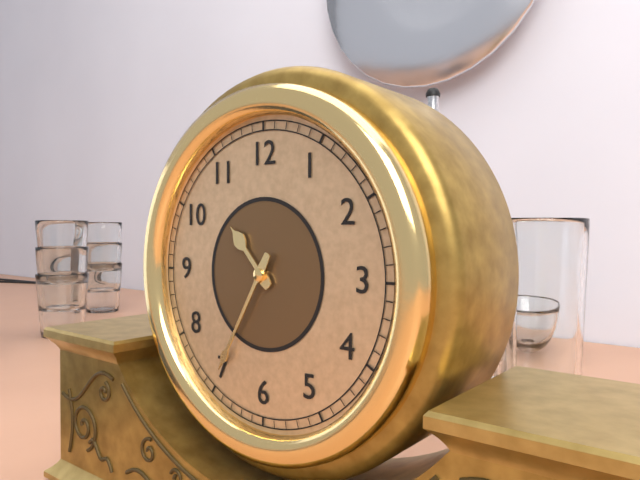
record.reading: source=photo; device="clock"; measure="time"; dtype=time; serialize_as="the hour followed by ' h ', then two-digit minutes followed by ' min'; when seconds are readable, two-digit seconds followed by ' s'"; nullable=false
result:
10 h 35 min
